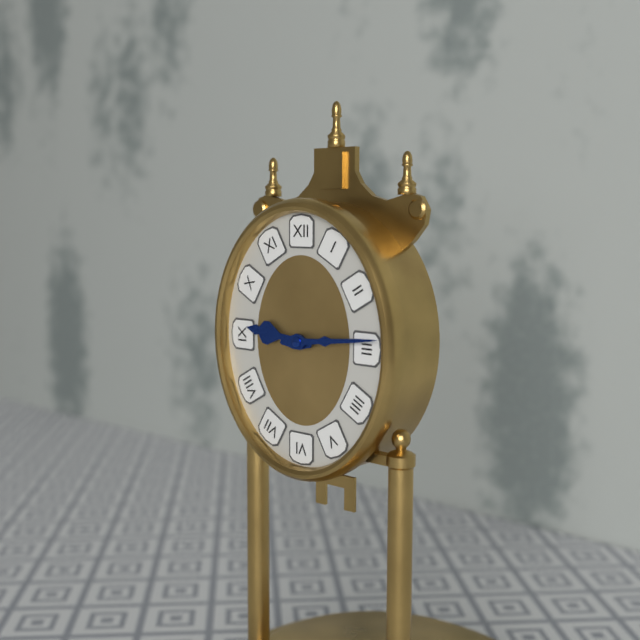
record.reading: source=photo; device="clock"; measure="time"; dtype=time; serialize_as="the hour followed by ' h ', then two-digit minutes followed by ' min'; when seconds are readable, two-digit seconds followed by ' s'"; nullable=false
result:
9 h 14 min
